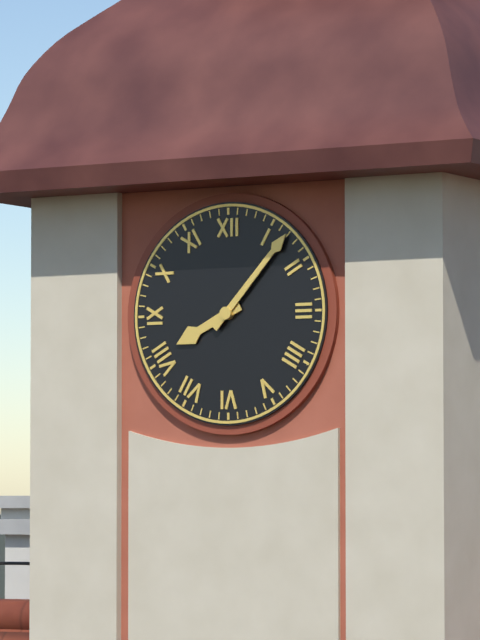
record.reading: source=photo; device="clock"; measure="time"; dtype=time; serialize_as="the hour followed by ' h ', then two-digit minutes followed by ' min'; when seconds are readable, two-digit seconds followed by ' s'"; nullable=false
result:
8 h 07 min
